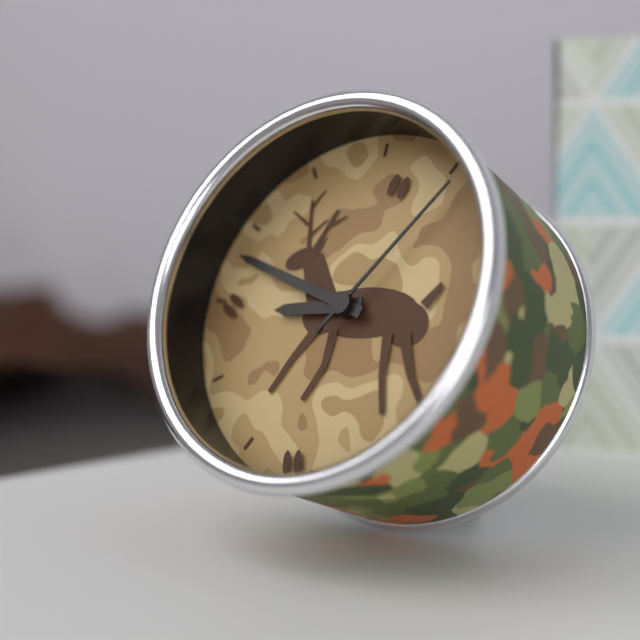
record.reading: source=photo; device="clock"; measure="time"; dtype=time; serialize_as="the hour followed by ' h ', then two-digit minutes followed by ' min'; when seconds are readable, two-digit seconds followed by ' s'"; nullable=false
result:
8 h 48 min 06 s
